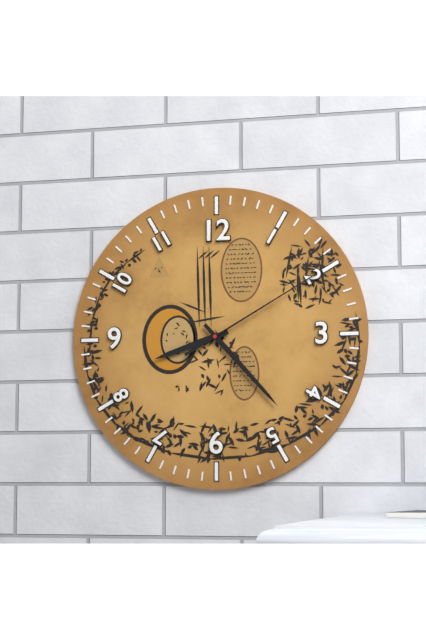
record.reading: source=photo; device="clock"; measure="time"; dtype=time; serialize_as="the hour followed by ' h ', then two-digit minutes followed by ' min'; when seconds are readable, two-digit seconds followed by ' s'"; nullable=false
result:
8 h 23 min 10 s
